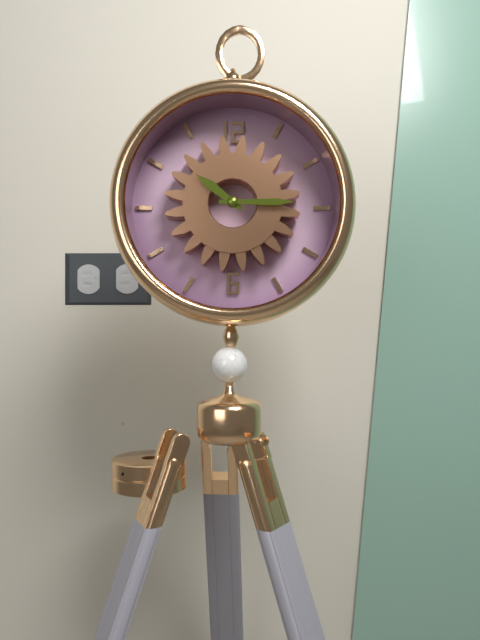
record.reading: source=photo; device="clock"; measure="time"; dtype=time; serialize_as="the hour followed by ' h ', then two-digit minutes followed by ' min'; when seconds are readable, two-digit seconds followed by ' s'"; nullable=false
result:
10 h 15 min
